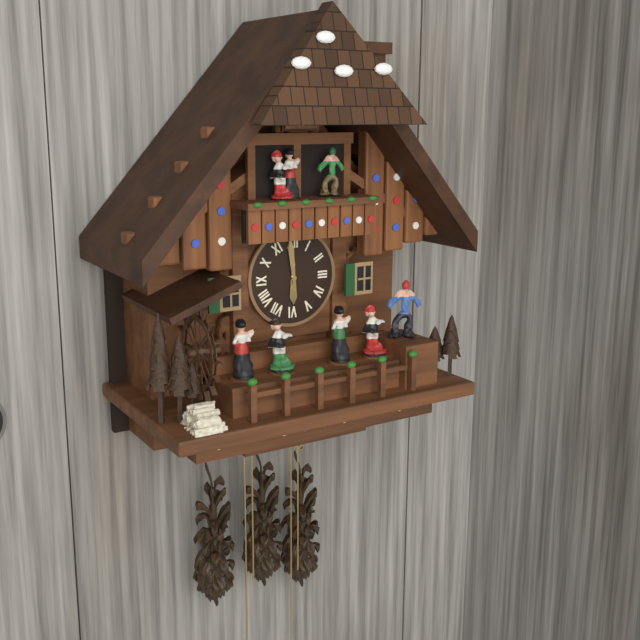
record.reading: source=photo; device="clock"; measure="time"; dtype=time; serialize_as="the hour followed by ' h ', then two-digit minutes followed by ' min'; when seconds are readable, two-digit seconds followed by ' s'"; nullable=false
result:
5 h 59 min
